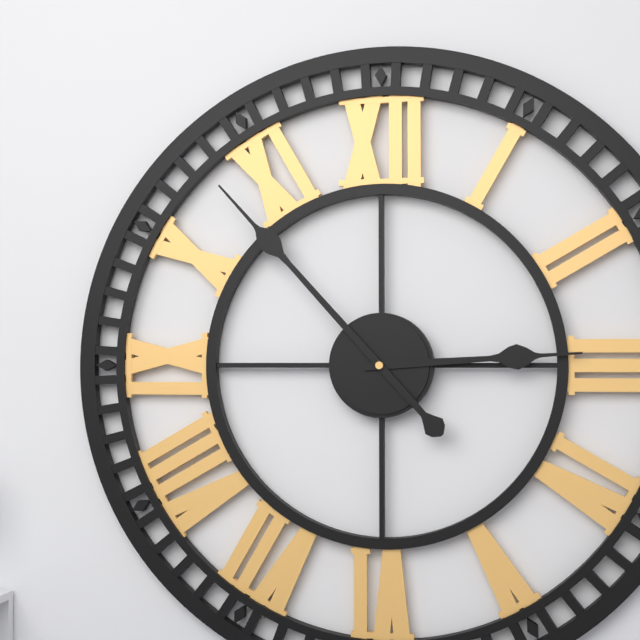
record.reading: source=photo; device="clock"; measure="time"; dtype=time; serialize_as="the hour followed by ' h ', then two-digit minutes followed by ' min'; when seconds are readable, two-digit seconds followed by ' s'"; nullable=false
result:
2 h 53 min
